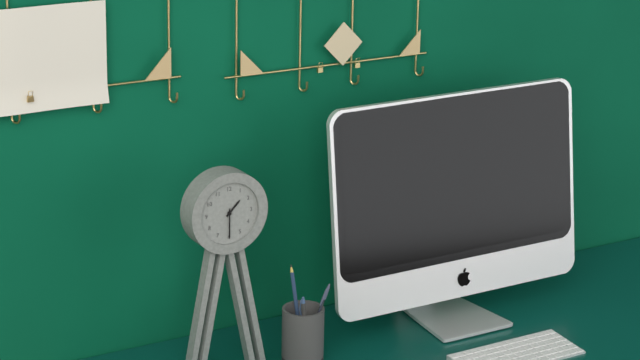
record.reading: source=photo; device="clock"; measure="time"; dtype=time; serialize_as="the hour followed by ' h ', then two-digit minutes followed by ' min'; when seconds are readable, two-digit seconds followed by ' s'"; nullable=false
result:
1 h 30 min
